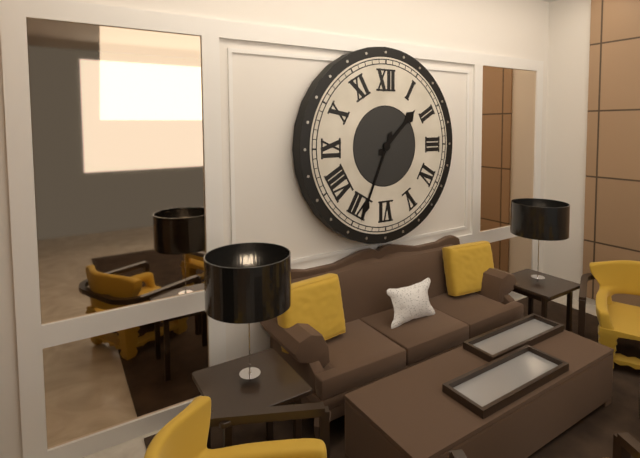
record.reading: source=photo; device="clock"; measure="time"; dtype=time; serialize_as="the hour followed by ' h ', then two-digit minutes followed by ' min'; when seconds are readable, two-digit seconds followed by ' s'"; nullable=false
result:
1 h 34 min
